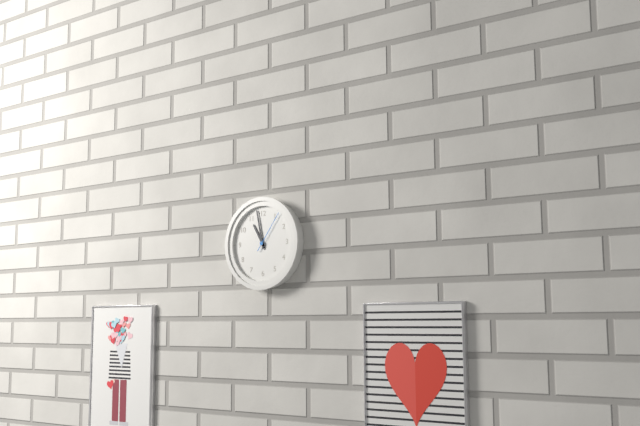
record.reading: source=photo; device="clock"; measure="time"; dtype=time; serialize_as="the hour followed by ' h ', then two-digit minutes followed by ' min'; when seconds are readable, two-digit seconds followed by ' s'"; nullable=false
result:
10 h 58 min
